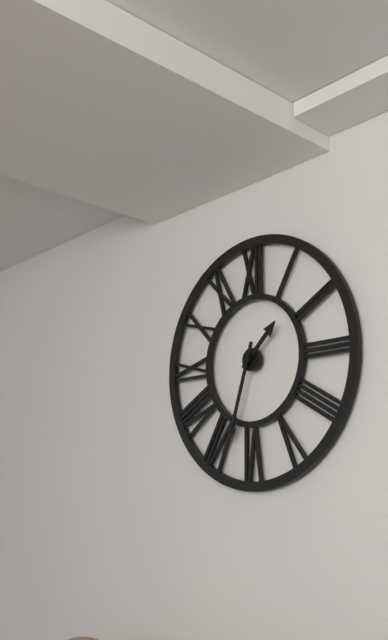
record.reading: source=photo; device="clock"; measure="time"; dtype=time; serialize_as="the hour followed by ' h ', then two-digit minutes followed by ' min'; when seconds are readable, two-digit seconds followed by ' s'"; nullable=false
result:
1 h 33 min
